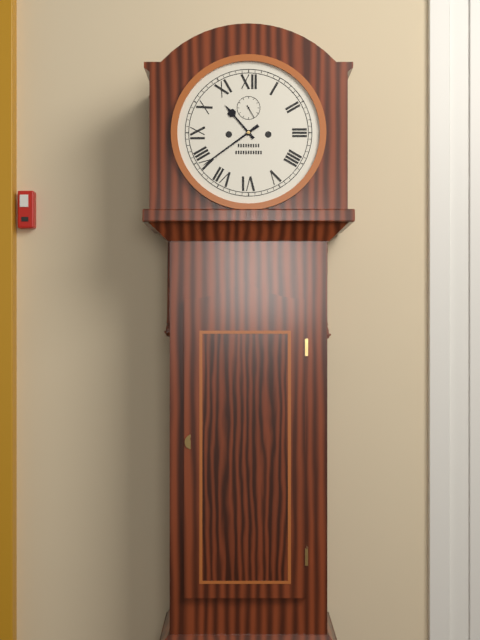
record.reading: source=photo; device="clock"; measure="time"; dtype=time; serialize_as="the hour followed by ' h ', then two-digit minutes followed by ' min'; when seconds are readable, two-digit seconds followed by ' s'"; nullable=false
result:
10 h 39 min
